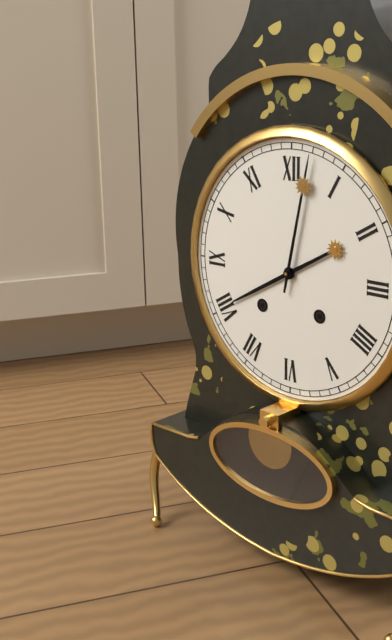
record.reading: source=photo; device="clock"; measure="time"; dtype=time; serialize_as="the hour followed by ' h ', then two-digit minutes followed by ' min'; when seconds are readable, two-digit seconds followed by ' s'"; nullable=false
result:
8 h 02 min
